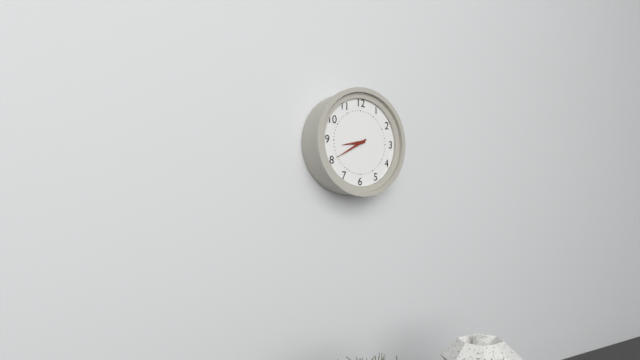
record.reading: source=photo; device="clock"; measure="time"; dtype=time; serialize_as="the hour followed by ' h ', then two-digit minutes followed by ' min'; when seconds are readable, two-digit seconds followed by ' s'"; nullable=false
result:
8 h 40 min
